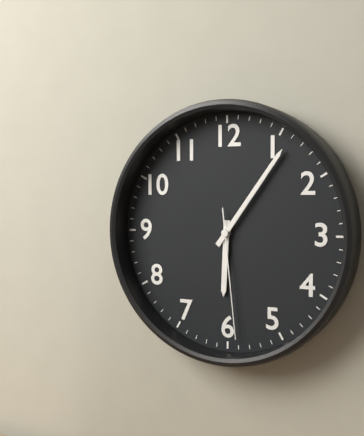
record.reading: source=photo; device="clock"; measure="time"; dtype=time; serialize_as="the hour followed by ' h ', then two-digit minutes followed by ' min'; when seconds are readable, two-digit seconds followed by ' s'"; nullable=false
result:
6 h 06 min 29 s
